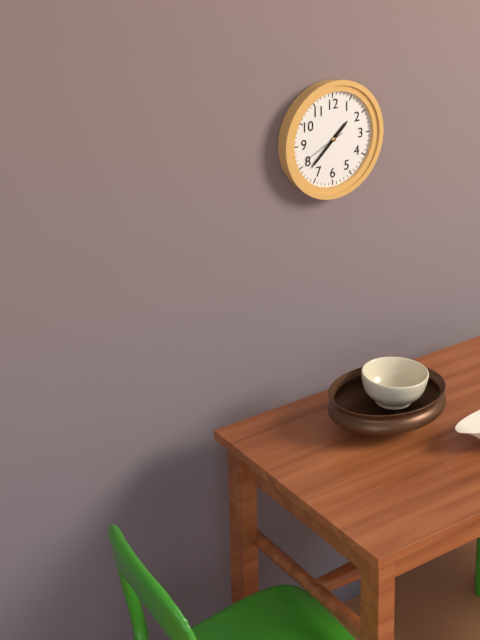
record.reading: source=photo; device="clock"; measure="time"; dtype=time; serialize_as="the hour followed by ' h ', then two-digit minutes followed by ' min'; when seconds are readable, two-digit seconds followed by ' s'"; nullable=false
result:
1 h 38 min
